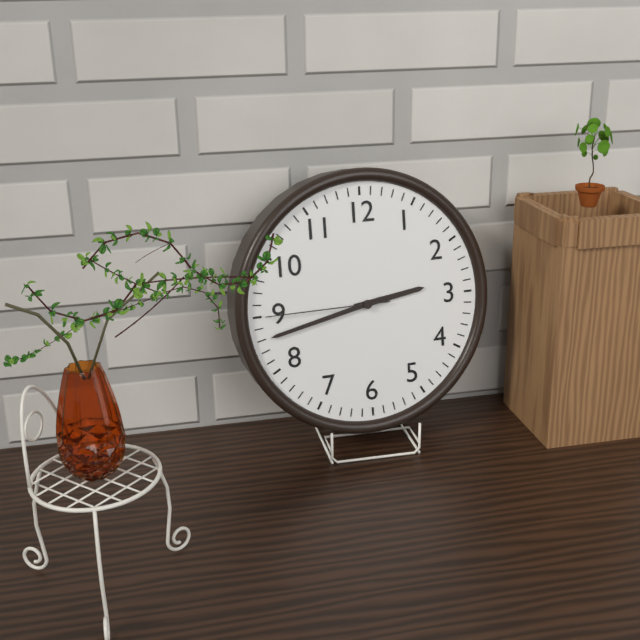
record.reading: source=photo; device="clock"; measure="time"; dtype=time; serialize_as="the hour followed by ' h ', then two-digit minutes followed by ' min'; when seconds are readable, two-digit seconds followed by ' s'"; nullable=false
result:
2 h 43 min 45 s
